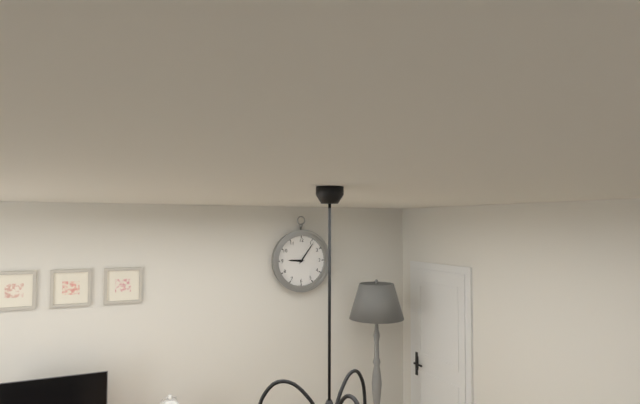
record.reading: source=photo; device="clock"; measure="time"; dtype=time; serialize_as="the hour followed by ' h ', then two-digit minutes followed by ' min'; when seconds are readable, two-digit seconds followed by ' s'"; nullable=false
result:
9 h 06 min
